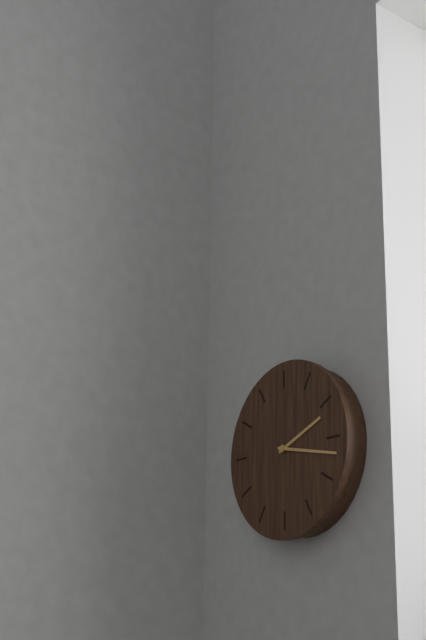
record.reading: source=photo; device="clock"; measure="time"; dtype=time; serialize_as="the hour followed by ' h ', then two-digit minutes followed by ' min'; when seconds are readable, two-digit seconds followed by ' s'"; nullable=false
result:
2 h 17 min
